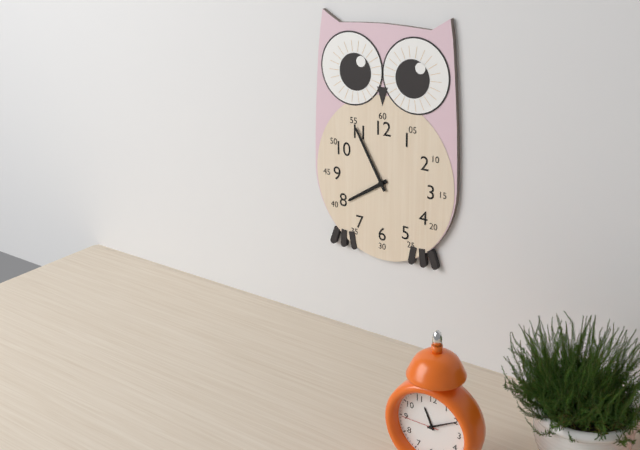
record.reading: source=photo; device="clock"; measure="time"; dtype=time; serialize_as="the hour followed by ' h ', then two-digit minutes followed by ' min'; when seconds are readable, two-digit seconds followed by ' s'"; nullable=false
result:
7 h 55 min
